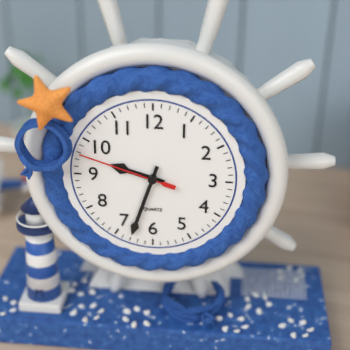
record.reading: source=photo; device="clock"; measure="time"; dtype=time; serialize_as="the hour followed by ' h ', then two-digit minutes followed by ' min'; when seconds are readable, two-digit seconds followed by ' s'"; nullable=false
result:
9 h 33 min 48 s
